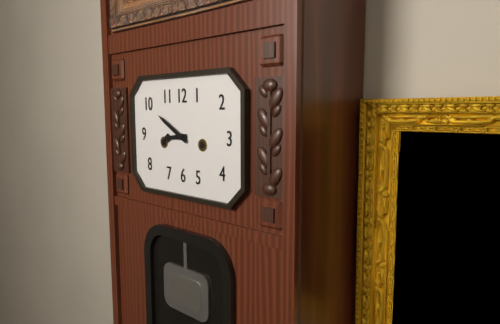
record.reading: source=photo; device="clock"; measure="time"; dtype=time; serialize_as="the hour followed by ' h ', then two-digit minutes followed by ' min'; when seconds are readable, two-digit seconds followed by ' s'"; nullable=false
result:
8 h 50 min
